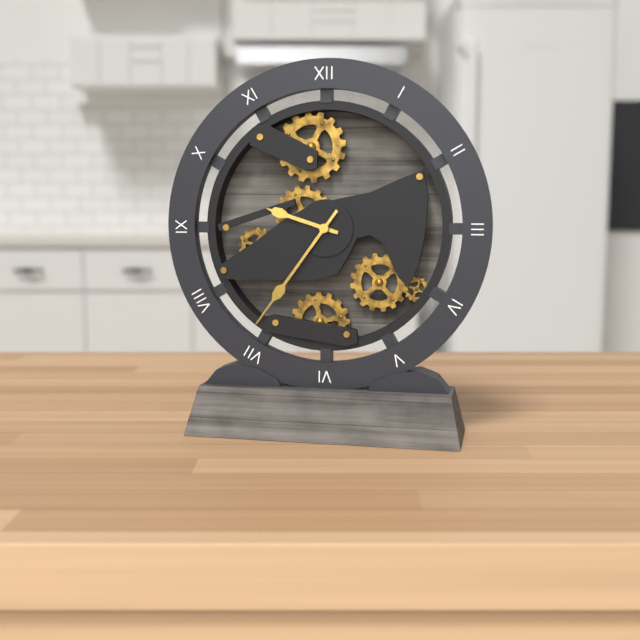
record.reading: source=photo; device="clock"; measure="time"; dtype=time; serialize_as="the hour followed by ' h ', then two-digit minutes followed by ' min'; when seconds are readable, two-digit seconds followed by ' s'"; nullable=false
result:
9 h 36 min
